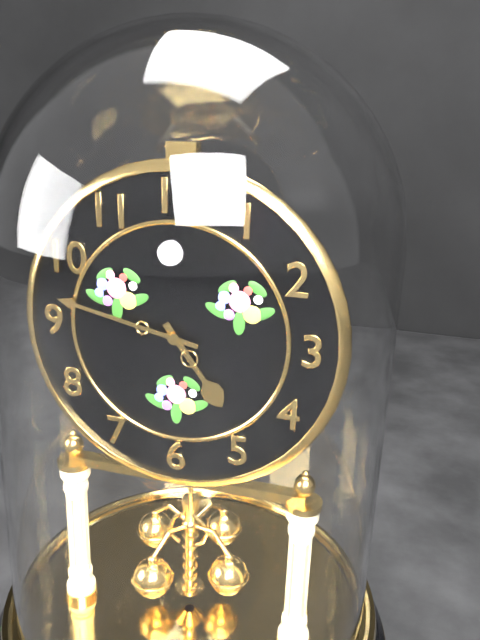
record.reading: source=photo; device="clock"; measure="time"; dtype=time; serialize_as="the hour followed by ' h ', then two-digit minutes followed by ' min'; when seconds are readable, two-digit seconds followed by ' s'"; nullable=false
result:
4 h 47 min
